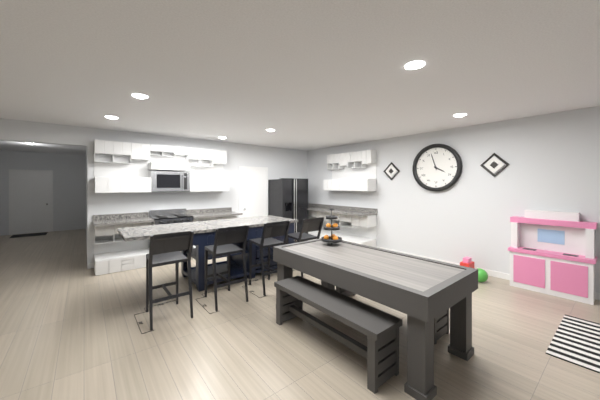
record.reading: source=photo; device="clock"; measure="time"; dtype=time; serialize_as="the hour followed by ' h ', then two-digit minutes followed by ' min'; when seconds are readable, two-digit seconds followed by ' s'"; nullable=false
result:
3 h 57 min
